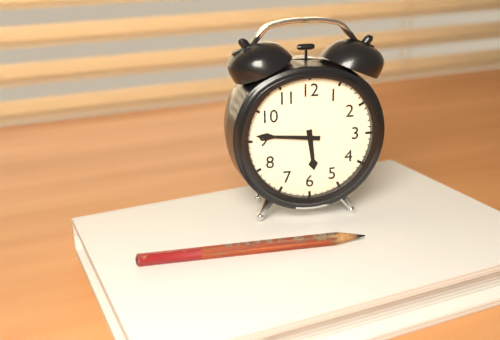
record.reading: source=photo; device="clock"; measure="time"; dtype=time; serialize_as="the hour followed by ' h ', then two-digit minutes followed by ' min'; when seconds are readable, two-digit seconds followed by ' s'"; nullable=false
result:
5 h 46 min
